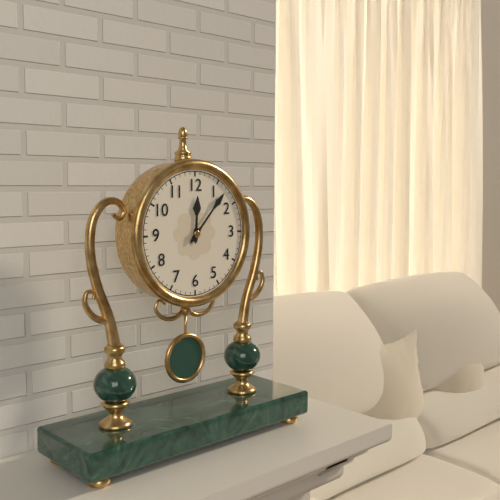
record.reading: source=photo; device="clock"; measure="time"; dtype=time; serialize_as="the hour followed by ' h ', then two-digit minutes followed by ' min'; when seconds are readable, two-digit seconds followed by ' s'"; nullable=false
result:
12 h 07 min
